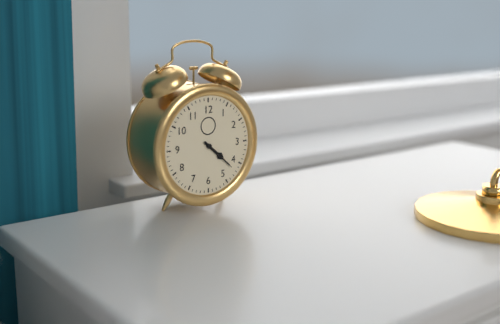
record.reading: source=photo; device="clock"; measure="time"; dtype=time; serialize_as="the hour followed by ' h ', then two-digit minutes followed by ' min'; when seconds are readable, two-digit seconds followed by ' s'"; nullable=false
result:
4 h 22 min
